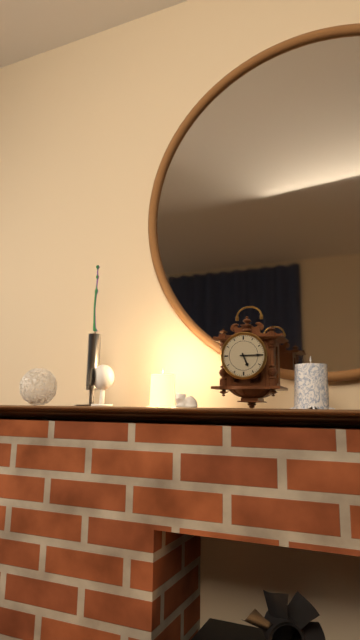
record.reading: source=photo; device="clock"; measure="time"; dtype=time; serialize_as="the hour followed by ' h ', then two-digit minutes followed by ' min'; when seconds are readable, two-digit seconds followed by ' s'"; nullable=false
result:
5 h 15 min
